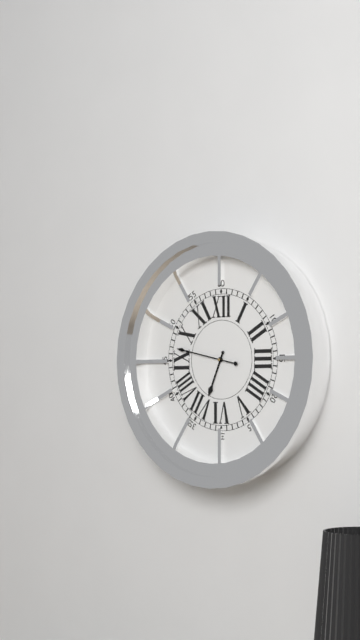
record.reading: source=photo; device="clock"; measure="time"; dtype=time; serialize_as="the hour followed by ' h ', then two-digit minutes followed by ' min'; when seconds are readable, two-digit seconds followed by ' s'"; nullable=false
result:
6 h 47 min
